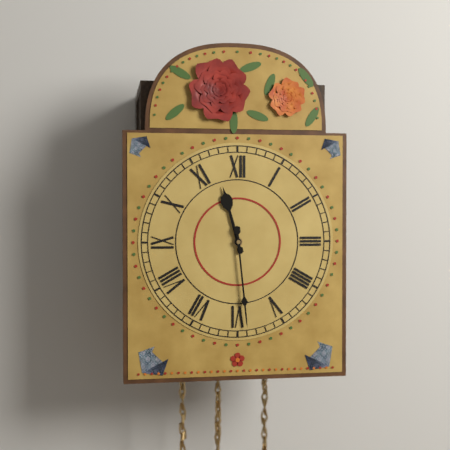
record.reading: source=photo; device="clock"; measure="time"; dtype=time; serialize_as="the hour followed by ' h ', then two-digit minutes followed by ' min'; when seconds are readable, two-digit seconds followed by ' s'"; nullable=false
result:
11 h 29 min
